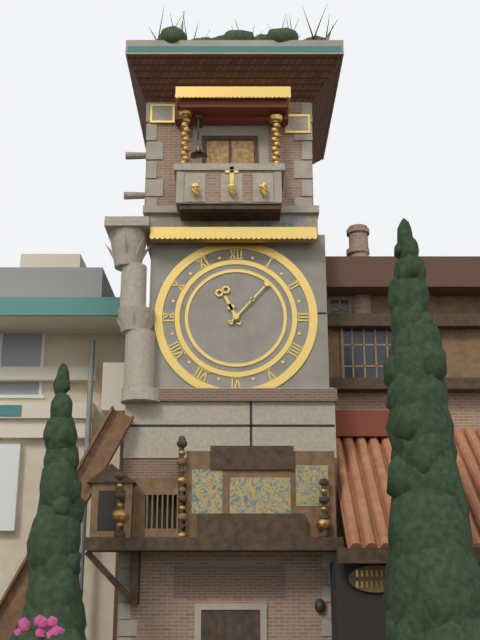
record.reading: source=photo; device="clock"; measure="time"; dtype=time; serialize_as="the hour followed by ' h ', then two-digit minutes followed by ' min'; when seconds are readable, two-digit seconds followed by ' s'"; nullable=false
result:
11 h 07 min
